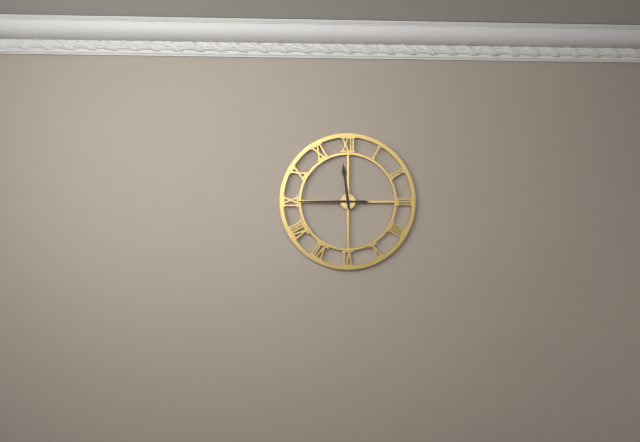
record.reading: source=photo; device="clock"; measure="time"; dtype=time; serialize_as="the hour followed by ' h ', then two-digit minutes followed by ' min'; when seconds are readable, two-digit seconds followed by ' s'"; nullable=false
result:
11 h 45 min
